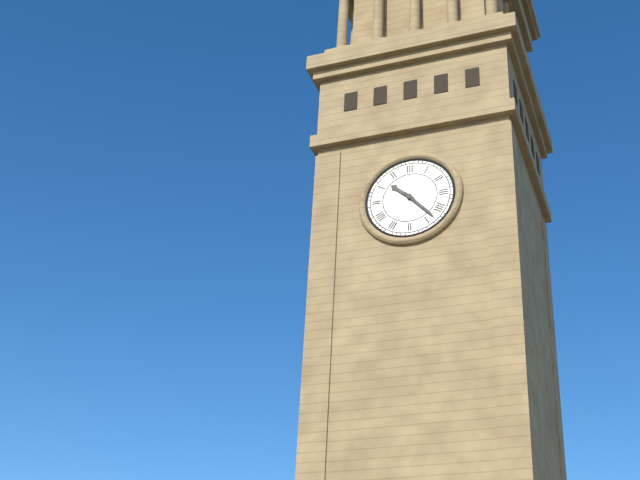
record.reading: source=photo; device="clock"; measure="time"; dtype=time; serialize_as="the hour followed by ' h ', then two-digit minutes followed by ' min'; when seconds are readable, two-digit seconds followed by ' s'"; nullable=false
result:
10 h 23 min
